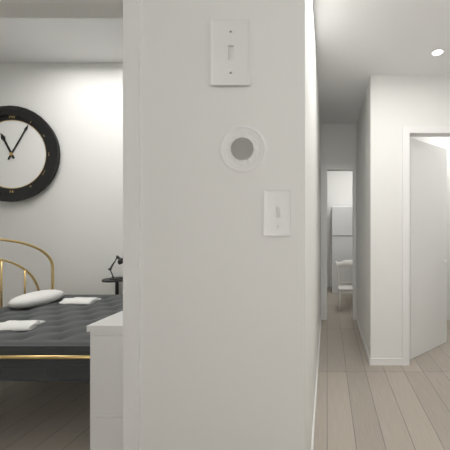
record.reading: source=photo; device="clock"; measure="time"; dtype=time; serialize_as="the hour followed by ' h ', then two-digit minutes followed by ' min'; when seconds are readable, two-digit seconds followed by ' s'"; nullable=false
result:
11 h 05 min
